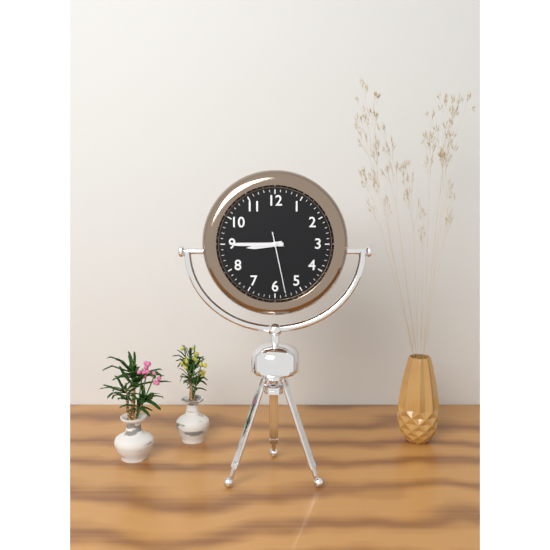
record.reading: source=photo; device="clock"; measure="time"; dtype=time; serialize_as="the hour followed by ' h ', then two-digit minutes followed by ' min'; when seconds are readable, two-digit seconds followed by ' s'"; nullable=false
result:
8 h 45 min 28 s
